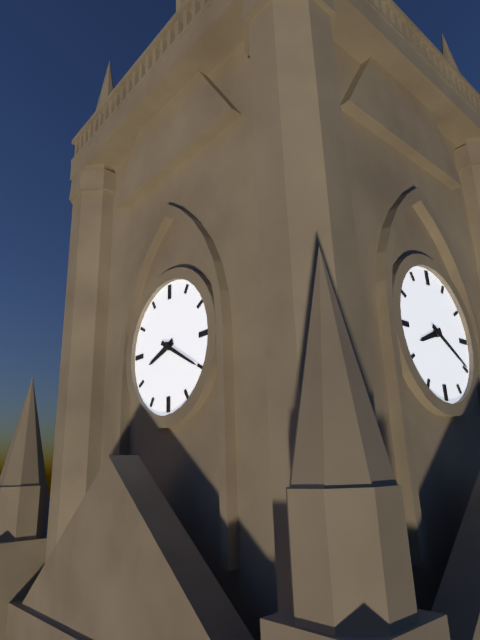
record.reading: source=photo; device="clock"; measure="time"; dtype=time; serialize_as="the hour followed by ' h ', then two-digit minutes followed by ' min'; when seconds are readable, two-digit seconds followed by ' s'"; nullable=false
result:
8 h 20 min
